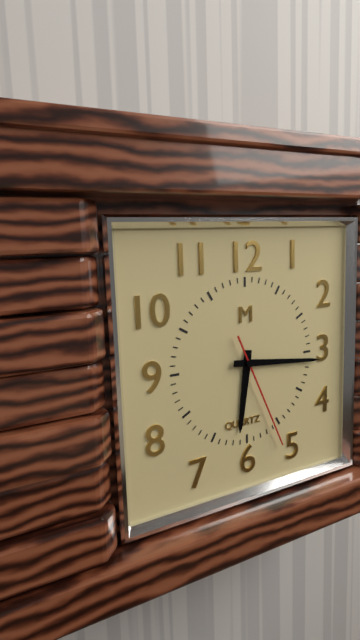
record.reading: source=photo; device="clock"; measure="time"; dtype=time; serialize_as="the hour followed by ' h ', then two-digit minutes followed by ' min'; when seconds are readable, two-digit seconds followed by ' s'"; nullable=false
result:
6 h 16 min 26 s
